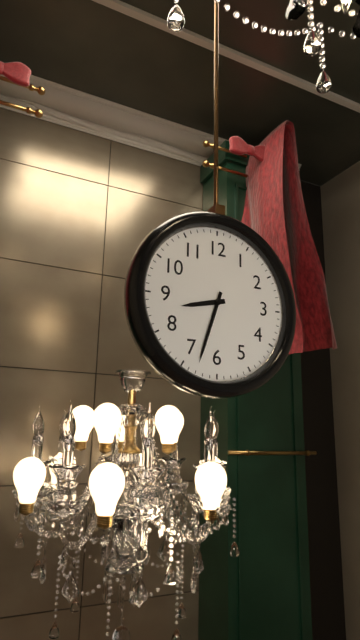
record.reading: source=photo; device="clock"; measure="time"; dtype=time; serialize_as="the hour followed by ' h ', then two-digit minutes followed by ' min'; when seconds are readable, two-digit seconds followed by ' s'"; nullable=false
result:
8 h 33 min
